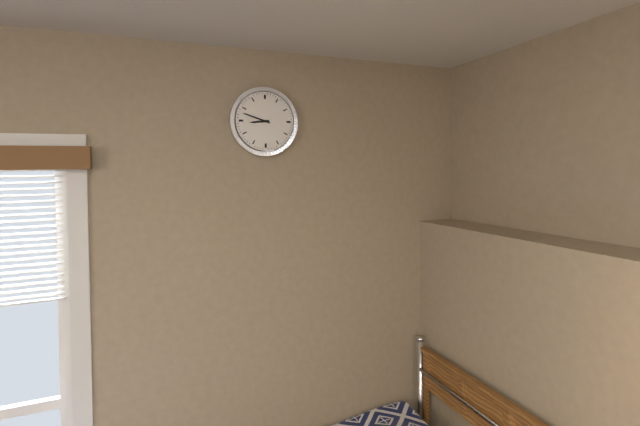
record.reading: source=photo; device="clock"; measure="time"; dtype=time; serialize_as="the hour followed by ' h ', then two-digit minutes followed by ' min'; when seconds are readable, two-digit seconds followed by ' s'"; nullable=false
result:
8 h 48 min
